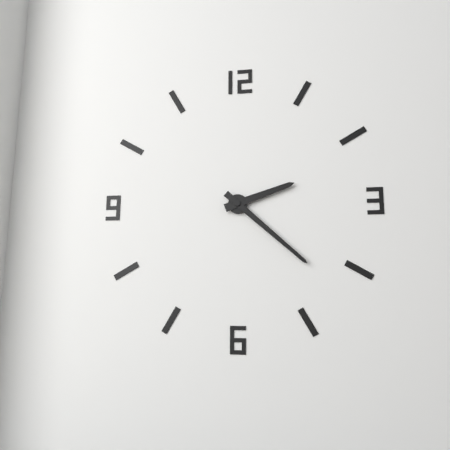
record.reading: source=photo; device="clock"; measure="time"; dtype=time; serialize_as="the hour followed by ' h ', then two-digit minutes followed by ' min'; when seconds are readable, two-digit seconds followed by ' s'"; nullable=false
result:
2 h 22 min
